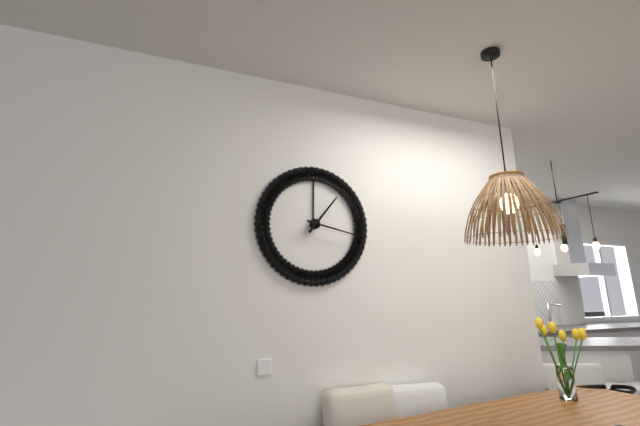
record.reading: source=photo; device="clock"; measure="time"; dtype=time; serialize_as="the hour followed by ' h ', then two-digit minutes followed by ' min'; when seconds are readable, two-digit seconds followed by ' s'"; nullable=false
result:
1 h 17 min
